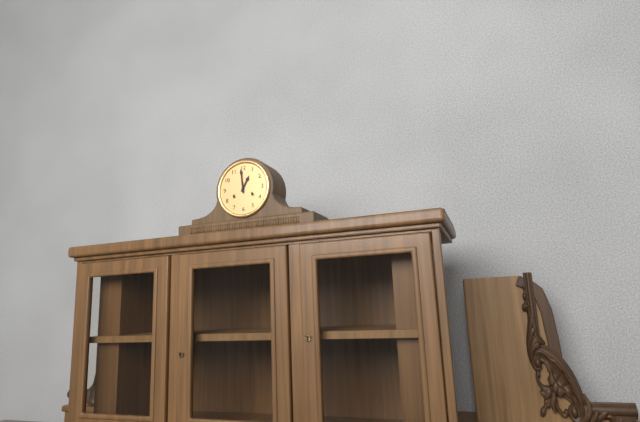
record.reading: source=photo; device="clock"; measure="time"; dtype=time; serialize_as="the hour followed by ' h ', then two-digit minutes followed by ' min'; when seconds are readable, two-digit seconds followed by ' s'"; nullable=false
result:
12 h 59 min
